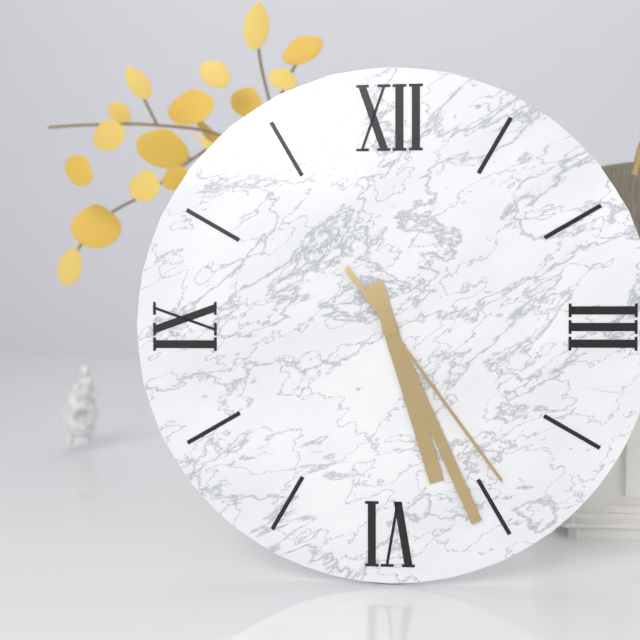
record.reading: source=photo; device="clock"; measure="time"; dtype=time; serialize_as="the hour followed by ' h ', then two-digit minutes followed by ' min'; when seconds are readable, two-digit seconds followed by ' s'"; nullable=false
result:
5 h 26 min 24 s
